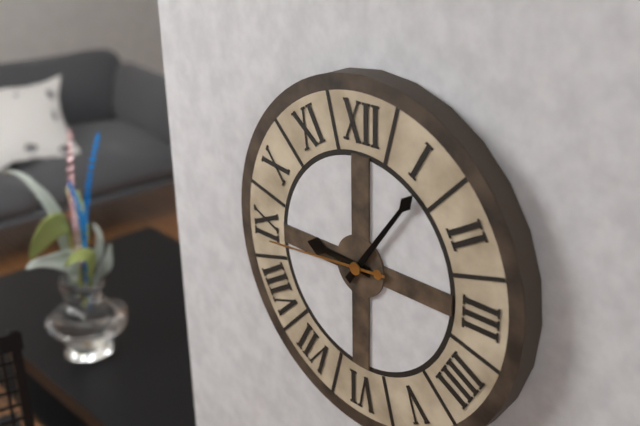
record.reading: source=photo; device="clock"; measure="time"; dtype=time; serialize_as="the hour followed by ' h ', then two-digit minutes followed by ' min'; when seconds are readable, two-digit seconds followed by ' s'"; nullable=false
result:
9 h 06 min 44 s
